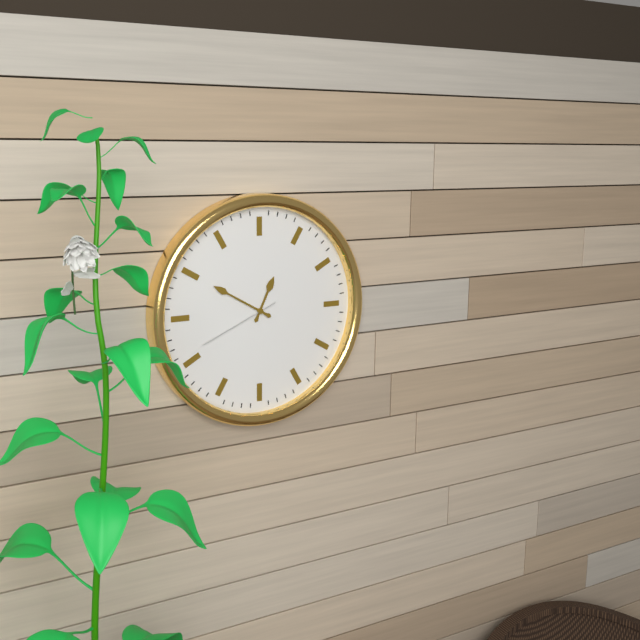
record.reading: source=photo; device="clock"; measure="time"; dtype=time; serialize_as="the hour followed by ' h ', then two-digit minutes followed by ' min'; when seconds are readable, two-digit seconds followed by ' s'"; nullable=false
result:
12 h 50 min 41 s
